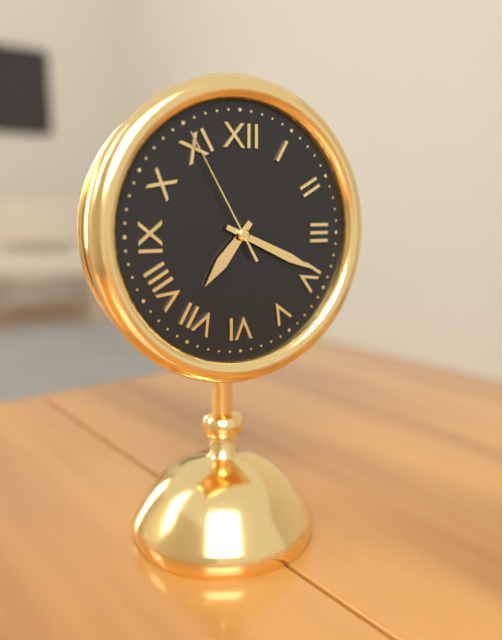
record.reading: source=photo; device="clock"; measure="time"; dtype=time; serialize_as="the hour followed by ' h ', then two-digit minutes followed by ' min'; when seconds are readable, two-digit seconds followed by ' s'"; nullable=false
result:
7 h 19 min 55 s
